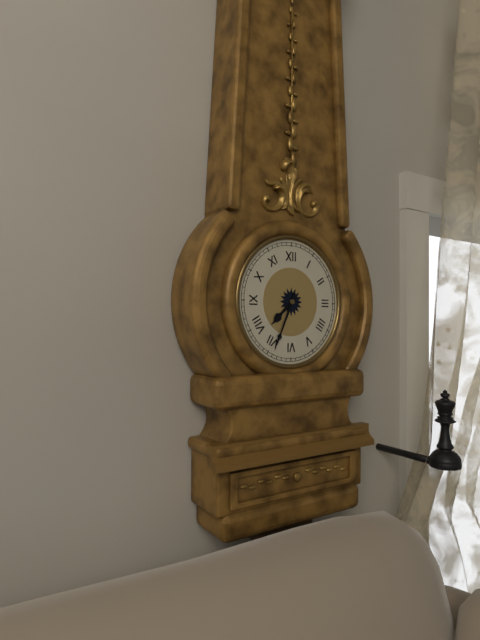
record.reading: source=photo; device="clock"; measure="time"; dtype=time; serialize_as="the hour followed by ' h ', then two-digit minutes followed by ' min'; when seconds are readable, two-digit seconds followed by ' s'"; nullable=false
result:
7 h 34 min
